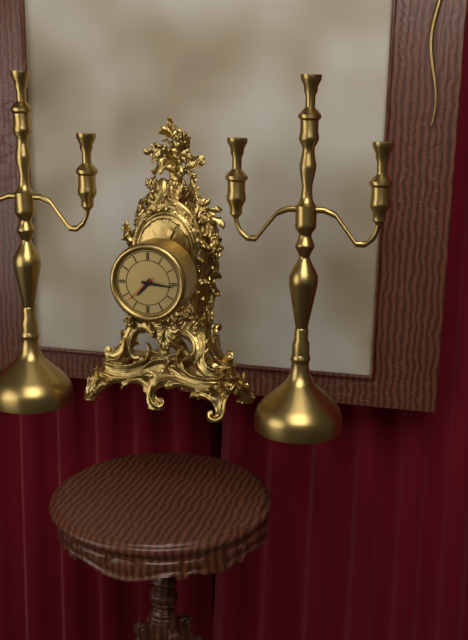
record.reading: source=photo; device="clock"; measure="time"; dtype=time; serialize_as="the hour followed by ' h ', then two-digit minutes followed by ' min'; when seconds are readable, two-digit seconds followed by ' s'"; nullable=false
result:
7 h 16 min
